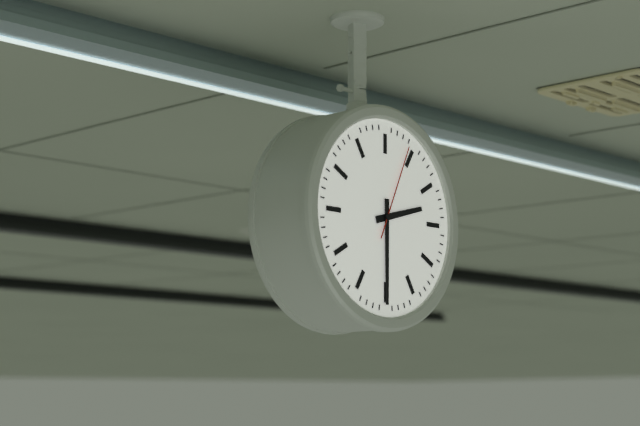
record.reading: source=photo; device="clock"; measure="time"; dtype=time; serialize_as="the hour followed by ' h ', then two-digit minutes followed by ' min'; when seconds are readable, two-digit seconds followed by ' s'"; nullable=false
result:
2 h 30 min 04 s
